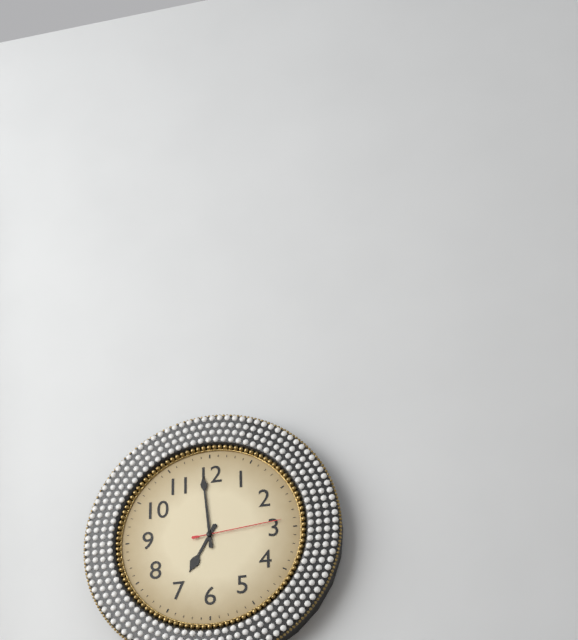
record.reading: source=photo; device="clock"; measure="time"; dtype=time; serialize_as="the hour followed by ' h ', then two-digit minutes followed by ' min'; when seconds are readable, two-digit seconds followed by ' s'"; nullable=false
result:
6 h 59 min 14 s
